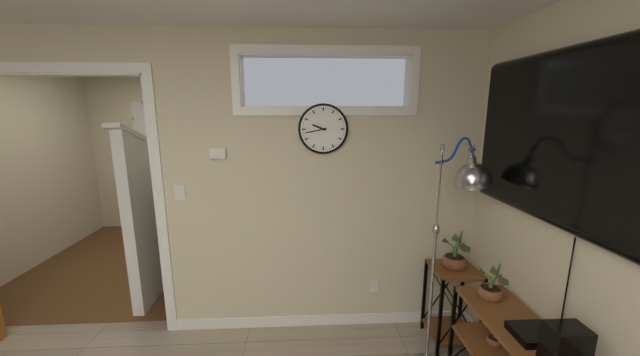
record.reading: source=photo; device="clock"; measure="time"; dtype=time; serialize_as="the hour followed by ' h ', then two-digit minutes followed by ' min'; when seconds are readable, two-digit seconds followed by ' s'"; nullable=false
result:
9 h 43 min
